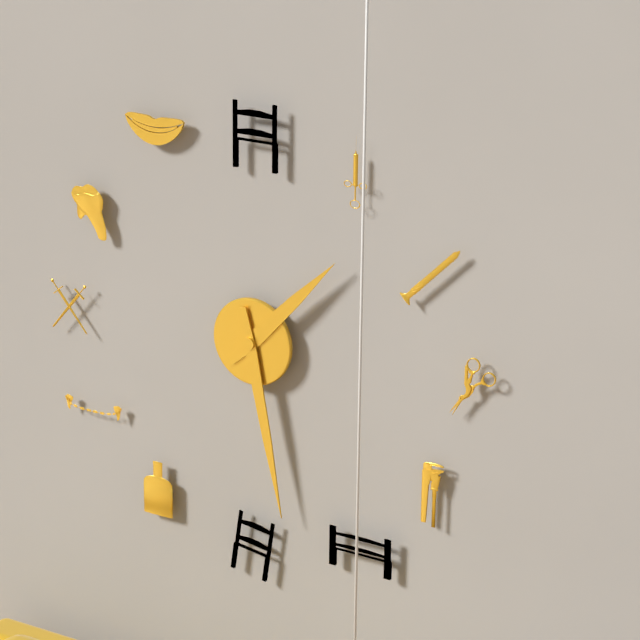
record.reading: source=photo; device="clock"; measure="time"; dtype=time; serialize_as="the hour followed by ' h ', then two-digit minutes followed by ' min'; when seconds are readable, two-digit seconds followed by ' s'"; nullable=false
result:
1 h 28 min
